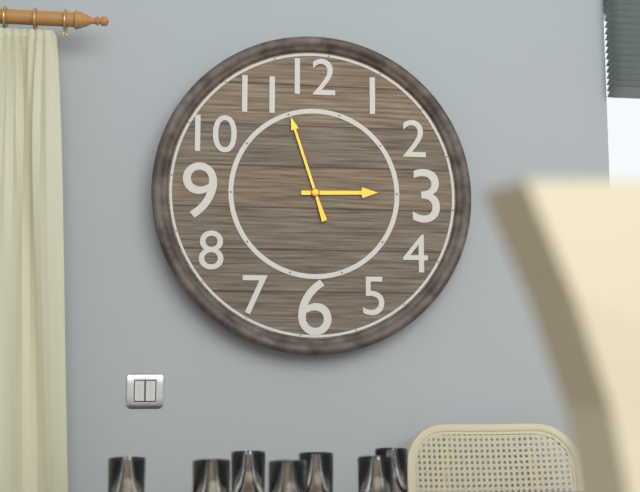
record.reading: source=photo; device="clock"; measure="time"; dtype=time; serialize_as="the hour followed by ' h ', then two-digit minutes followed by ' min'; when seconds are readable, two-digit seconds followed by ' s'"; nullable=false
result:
2 h 57 min
